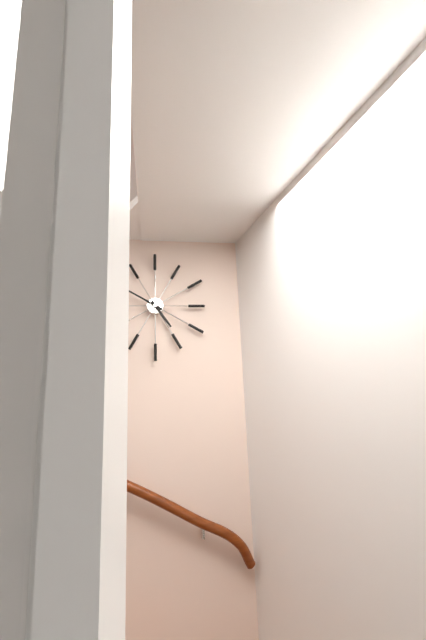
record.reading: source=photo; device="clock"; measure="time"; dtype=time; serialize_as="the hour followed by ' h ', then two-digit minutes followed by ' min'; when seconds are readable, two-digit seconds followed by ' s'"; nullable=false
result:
4 h 50 min
